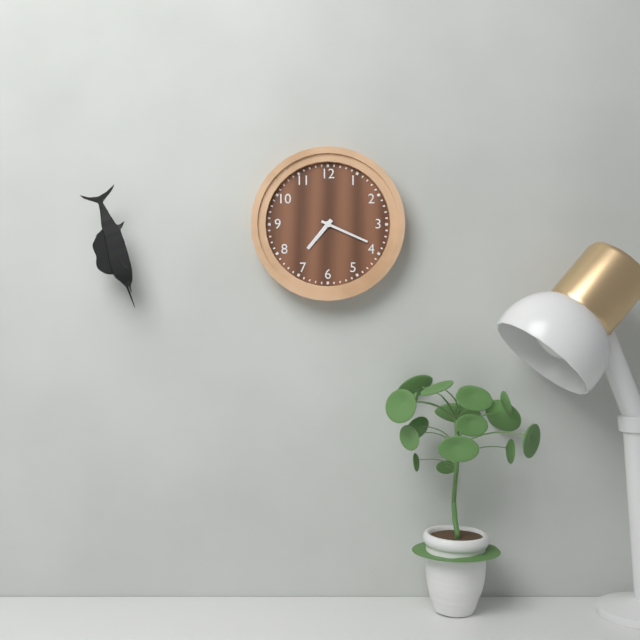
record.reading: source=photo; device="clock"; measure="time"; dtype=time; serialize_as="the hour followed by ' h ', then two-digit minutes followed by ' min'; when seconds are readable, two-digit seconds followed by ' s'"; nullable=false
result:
7 h 19 min
